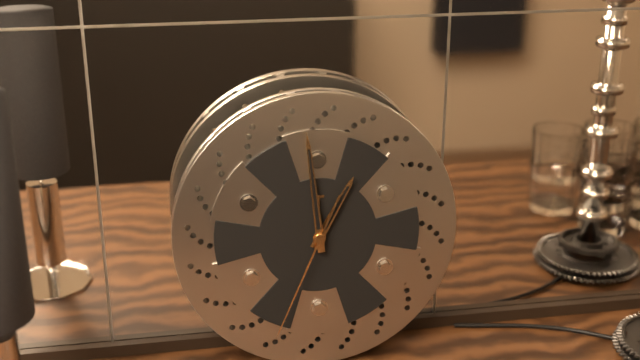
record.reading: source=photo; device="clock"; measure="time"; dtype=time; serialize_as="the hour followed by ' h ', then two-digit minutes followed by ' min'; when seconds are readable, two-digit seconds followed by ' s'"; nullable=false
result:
12 h 59 min 34 s
